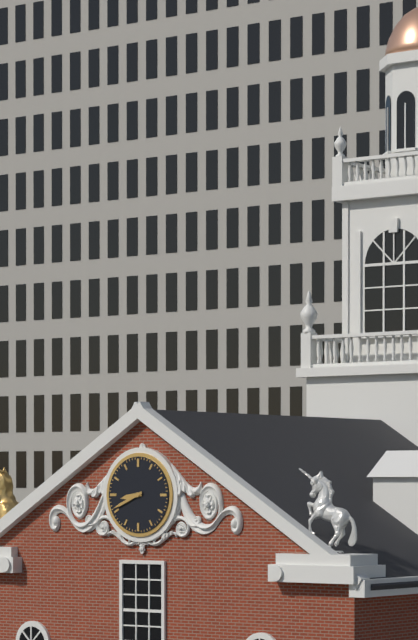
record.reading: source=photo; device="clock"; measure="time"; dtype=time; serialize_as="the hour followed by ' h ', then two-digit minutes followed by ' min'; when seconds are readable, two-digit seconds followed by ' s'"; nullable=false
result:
8 h 41 min
